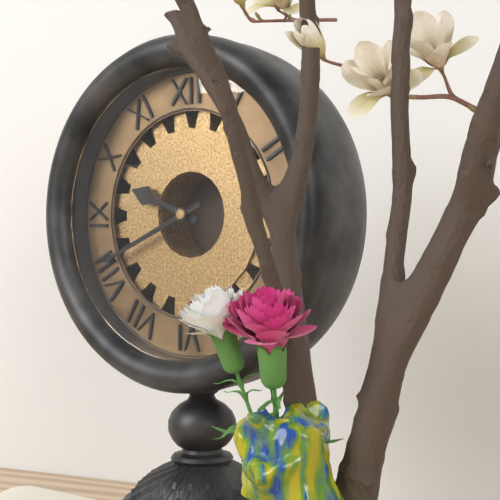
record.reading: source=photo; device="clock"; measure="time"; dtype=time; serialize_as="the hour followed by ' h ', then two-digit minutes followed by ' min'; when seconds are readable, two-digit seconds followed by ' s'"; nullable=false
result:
9 h 41 min
